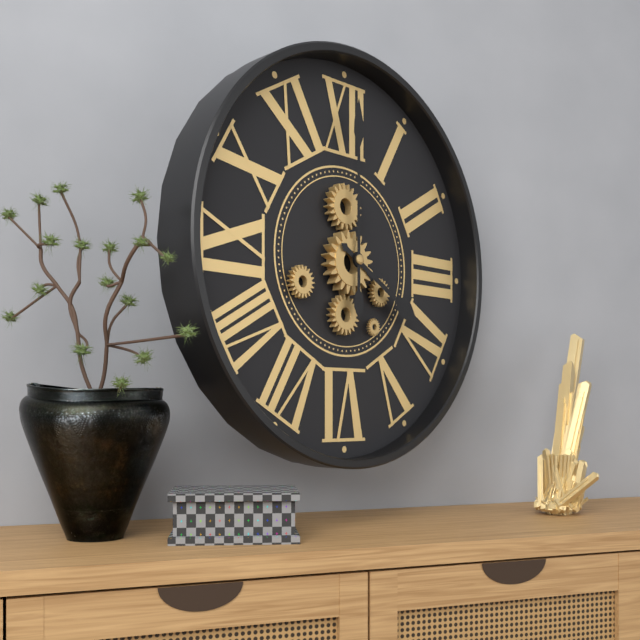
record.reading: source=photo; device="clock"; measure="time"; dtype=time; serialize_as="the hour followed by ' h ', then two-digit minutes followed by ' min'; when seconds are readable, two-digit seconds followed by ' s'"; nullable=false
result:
4 h 00 min
